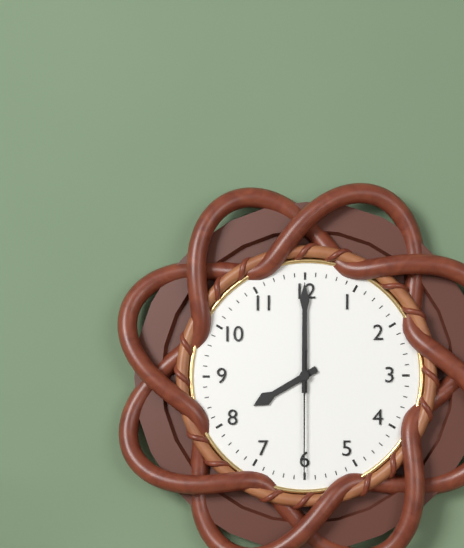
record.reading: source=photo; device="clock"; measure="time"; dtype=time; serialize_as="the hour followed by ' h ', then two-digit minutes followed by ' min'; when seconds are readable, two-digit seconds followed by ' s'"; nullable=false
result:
8 h 00 min 30 s
